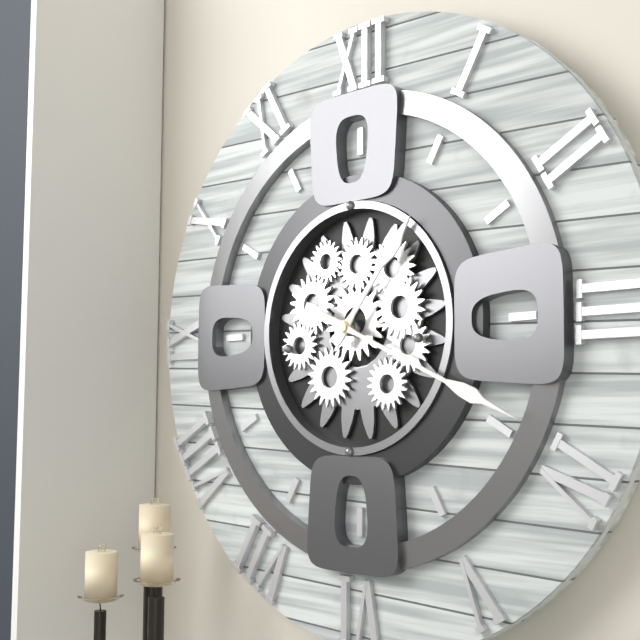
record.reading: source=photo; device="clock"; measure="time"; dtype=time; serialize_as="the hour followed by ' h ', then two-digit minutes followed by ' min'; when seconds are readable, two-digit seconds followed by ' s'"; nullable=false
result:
1 h 19 min
